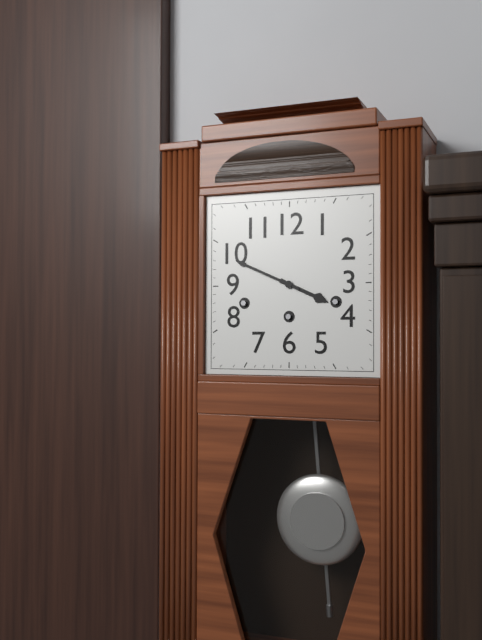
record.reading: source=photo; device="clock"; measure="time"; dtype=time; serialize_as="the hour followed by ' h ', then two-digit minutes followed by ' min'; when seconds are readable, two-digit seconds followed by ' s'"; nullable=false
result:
3 h 49 min
